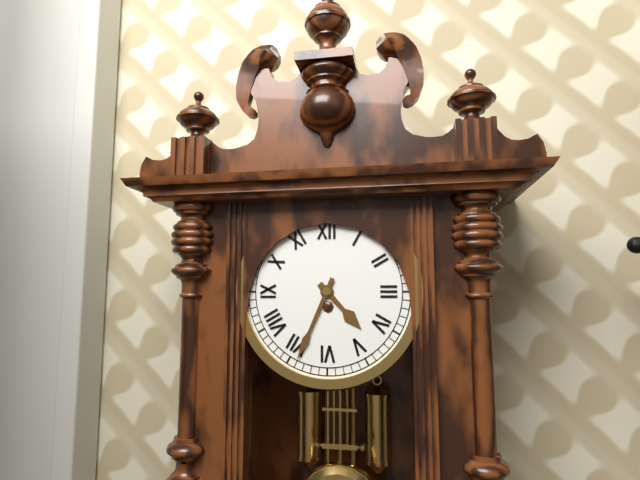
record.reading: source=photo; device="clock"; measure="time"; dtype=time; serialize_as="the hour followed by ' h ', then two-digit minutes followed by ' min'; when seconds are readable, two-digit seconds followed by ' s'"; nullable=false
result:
4 h 34 min
